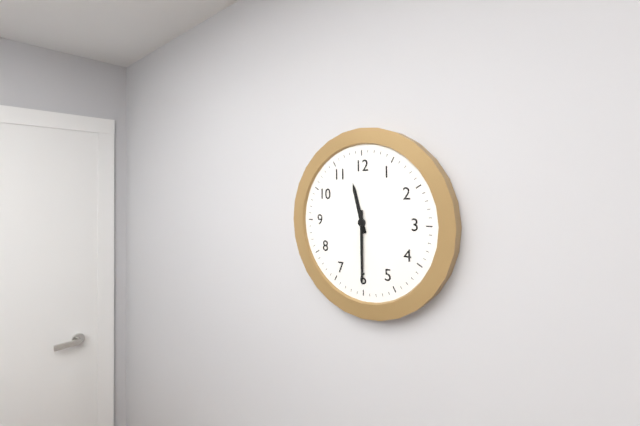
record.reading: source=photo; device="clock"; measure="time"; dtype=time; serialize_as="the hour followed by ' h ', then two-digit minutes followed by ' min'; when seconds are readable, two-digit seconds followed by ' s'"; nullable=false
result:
11 h 30 min
